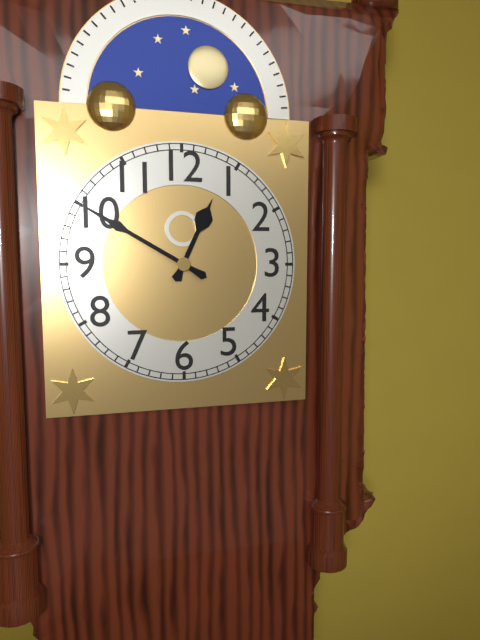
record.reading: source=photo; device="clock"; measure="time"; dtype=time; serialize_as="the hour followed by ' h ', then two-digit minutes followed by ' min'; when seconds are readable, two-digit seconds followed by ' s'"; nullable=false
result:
12 h 50 min
